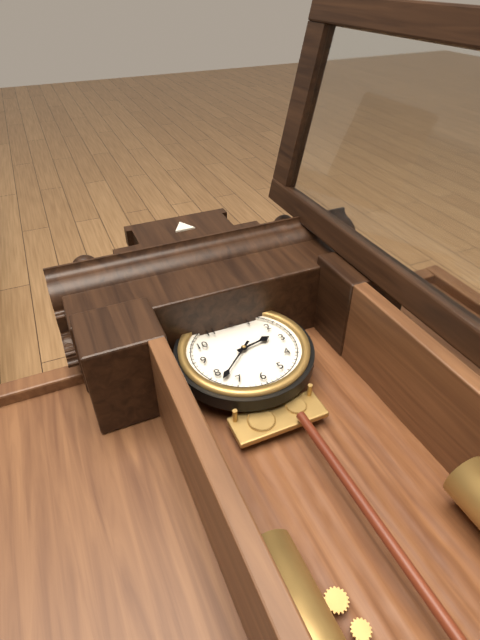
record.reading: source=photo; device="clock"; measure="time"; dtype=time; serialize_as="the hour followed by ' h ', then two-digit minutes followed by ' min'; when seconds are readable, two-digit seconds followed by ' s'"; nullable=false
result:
2 h 38 min
